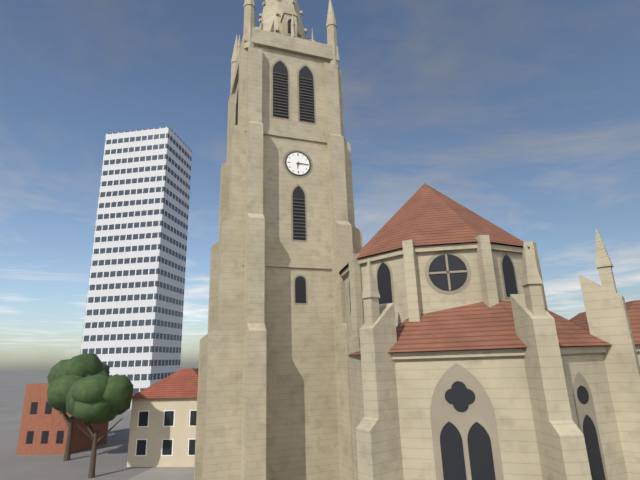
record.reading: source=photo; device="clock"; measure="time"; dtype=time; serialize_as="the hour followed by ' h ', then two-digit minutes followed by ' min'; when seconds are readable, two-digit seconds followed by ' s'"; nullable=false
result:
6 h 15 min
